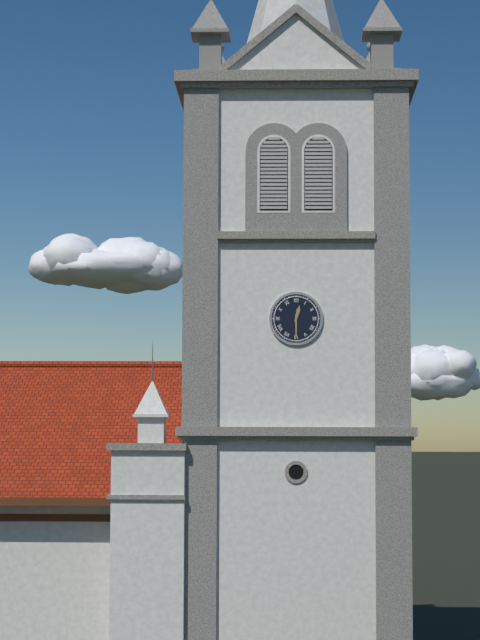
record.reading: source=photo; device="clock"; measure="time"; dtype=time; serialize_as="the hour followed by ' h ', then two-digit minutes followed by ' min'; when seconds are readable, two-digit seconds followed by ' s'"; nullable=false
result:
12 h 30 min
